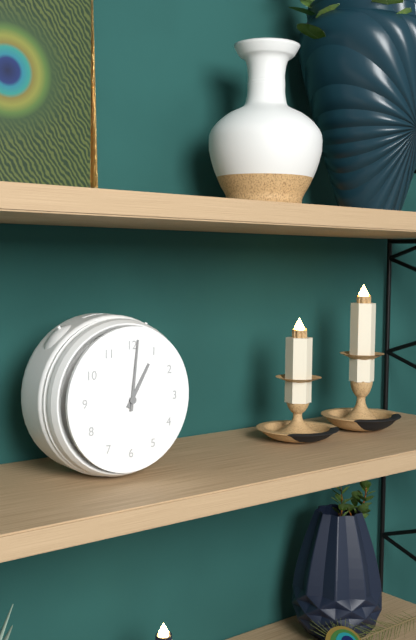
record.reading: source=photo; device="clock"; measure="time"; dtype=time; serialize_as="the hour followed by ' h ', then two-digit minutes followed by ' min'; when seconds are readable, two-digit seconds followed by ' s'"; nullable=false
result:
1 h 01 min
